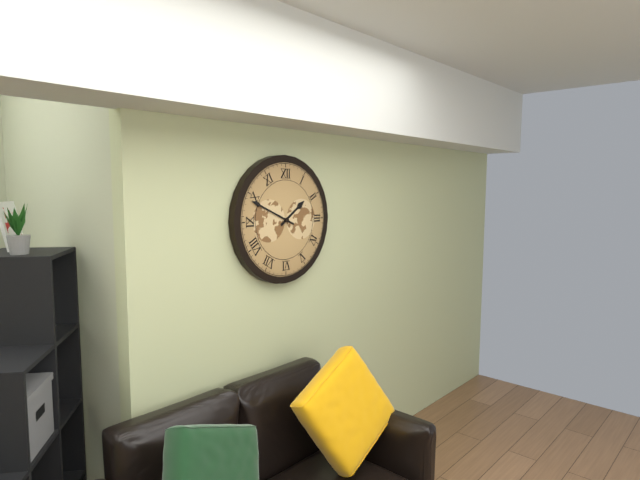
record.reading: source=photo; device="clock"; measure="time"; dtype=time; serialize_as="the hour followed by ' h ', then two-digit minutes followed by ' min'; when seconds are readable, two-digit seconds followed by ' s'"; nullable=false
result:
1 h 49 min
